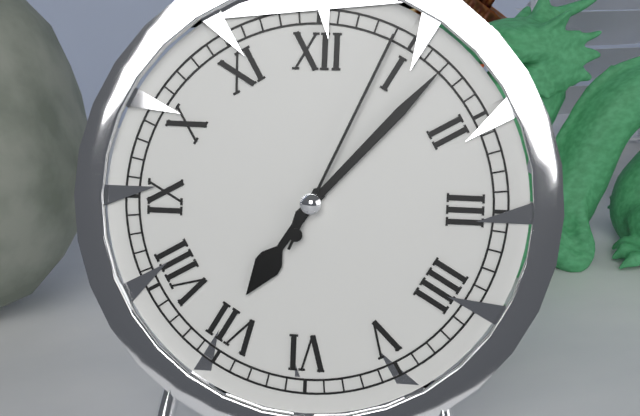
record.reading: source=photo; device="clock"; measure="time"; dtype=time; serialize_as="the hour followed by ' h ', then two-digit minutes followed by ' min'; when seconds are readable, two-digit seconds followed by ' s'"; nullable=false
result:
7 h 07 min 04 s
